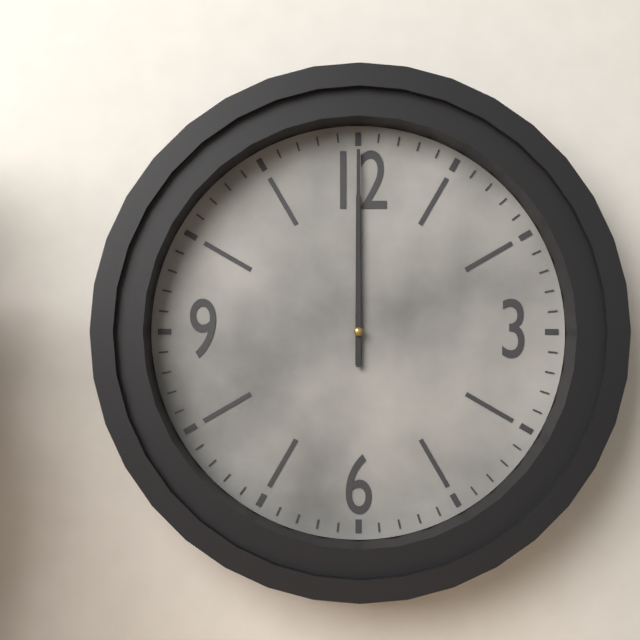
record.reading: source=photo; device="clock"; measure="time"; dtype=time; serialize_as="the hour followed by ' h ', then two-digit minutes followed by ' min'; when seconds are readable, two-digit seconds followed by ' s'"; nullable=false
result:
12 h 00 min
